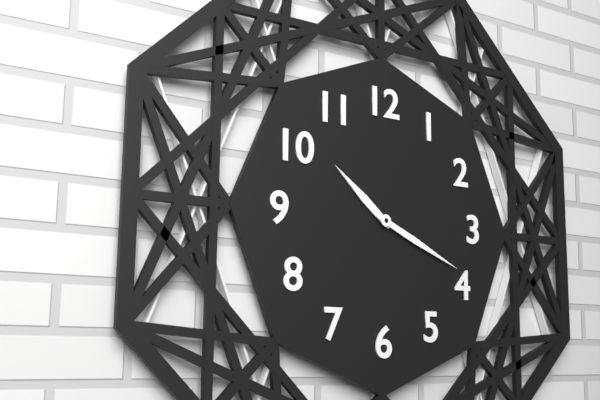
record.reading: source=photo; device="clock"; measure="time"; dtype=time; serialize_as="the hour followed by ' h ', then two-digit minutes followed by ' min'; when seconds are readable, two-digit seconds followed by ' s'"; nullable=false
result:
10 h 19 min
